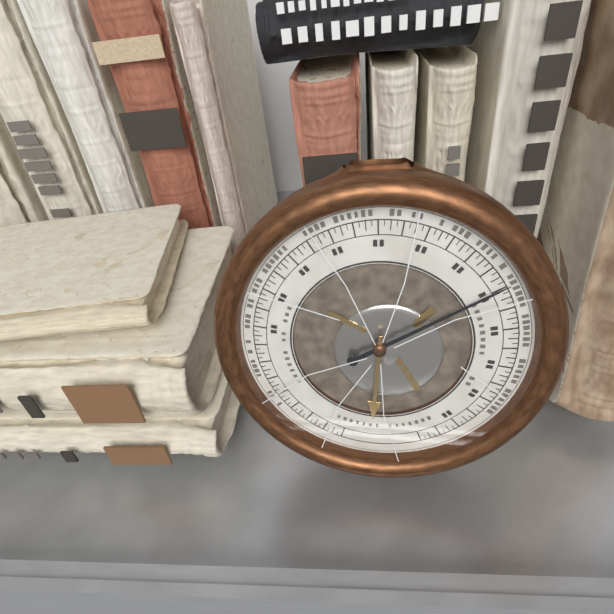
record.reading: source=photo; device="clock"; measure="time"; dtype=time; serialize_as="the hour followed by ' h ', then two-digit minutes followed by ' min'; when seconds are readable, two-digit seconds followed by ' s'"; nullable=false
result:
6 h 10 min
